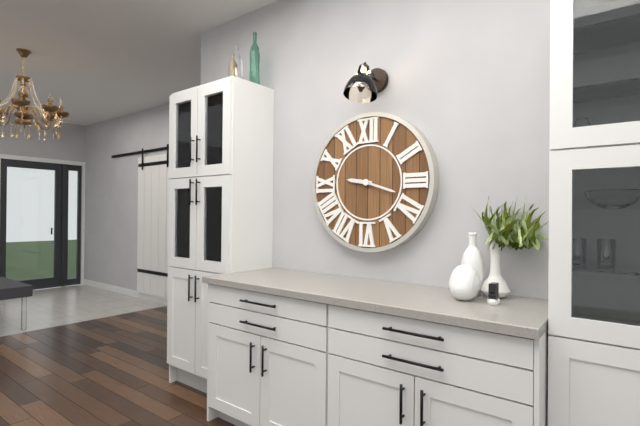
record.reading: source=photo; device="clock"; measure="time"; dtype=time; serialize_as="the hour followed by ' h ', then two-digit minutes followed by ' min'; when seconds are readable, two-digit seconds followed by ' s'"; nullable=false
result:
9 h 18 min
